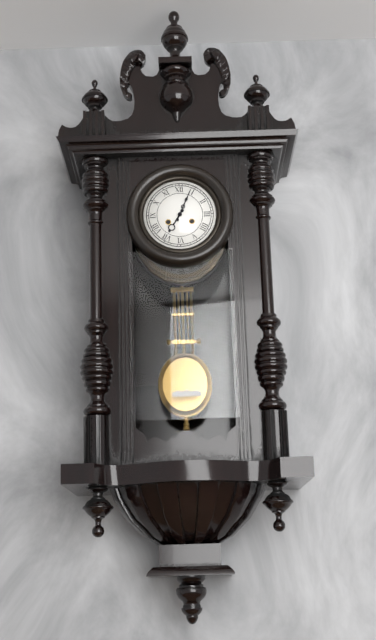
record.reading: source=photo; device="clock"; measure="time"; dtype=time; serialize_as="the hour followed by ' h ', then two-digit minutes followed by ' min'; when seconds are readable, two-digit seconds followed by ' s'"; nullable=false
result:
7 h 04 min
